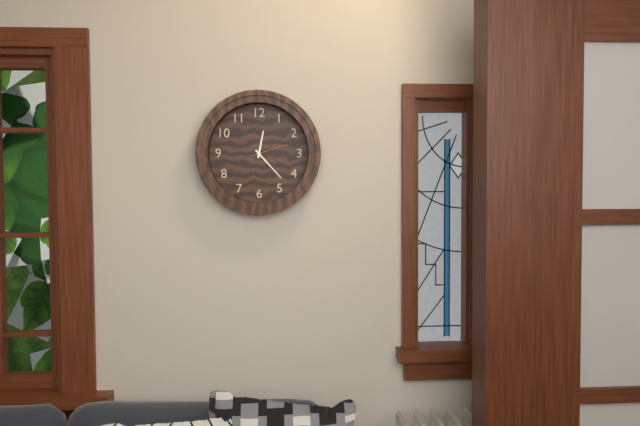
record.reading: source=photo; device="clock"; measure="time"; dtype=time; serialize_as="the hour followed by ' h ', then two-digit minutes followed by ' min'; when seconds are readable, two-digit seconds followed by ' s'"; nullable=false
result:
12 h 23 min
